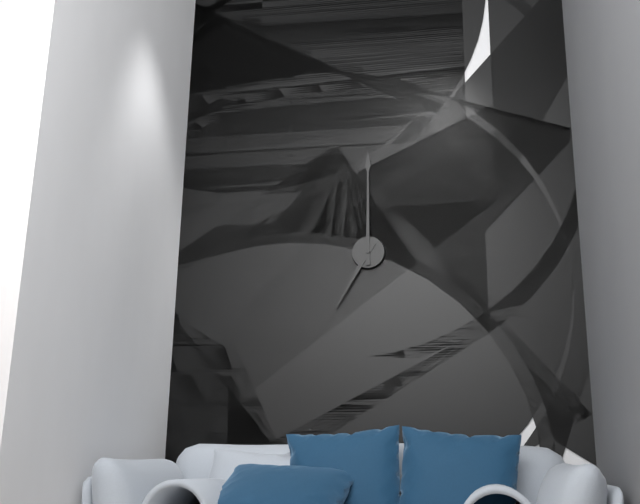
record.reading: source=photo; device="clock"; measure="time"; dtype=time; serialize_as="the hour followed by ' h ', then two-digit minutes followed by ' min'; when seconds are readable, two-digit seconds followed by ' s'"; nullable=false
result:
7 h 00 min
